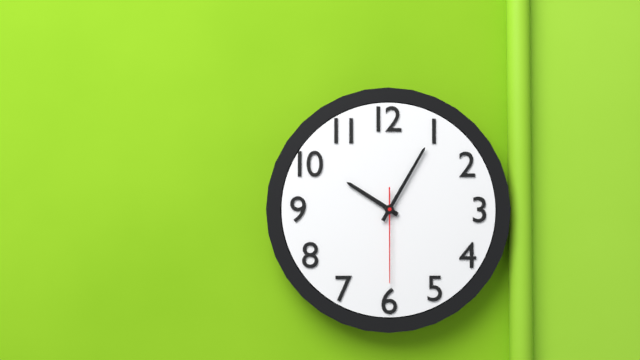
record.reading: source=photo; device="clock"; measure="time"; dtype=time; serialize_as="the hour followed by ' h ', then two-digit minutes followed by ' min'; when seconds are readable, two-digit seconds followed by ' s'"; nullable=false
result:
10 h 05 min 30 s
